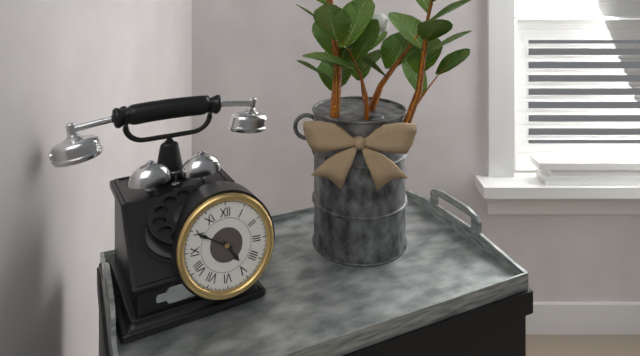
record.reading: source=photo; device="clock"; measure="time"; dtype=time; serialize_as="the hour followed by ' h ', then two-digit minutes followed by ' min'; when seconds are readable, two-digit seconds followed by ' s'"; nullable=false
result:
4 h 50 min
